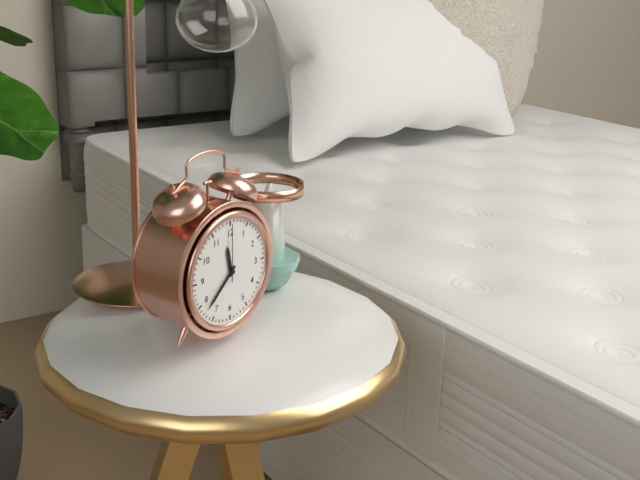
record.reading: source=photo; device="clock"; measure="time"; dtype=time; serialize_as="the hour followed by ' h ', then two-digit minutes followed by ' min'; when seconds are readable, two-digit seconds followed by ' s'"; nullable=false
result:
11 h 38 min 00 s
